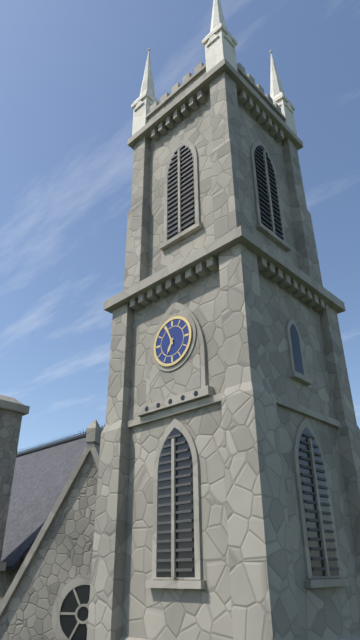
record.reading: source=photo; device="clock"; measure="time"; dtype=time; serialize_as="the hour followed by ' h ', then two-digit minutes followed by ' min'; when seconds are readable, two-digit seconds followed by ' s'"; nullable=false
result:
6 h 56 min
